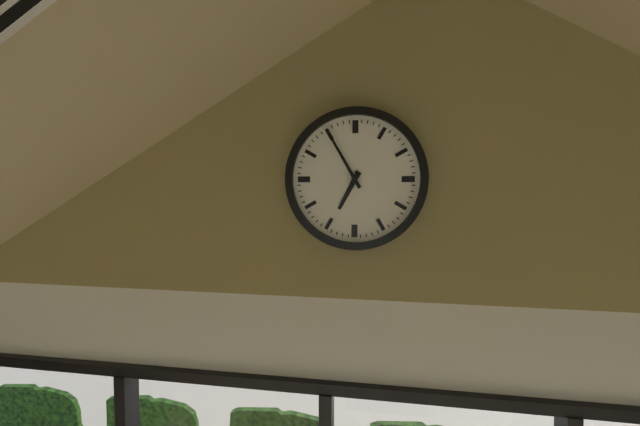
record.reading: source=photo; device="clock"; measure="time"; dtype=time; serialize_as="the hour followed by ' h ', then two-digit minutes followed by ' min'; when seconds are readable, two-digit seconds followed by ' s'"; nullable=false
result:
6 h 55 min
